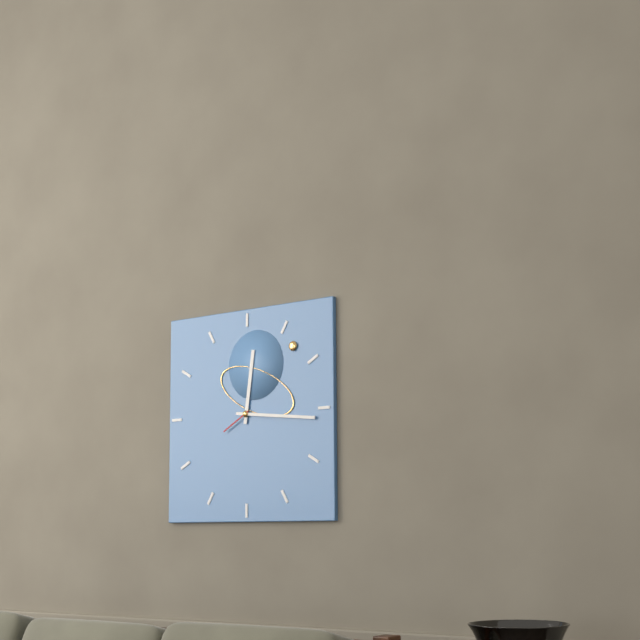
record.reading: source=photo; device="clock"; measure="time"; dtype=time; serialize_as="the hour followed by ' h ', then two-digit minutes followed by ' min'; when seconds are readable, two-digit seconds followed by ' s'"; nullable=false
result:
12 h 16 min
